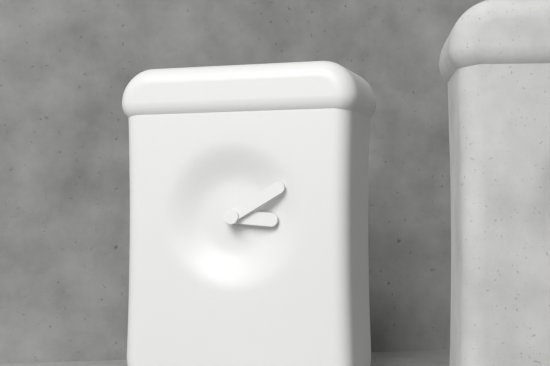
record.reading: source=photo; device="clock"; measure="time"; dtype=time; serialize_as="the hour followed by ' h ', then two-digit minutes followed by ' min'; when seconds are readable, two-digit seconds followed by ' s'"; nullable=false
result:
3 h 10 min
